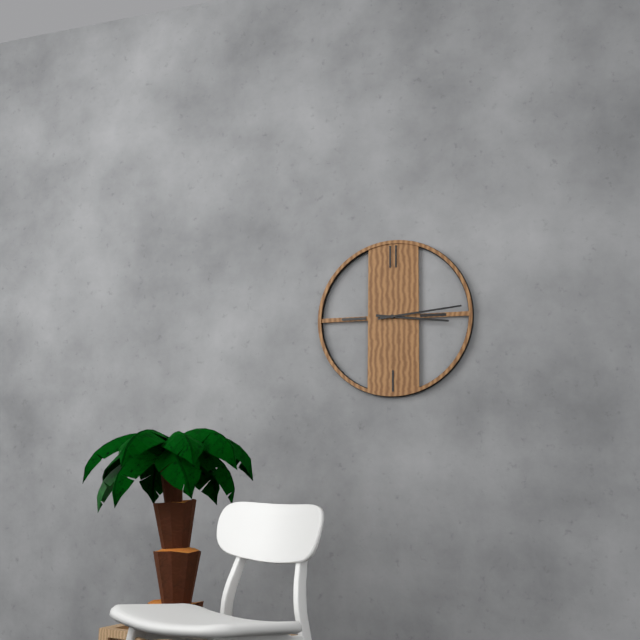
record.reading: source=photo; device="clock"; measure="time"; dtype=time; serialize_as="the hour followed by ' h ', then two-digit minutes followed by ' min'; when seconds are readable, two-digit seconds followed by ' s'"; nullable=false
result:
3 h 14 min
